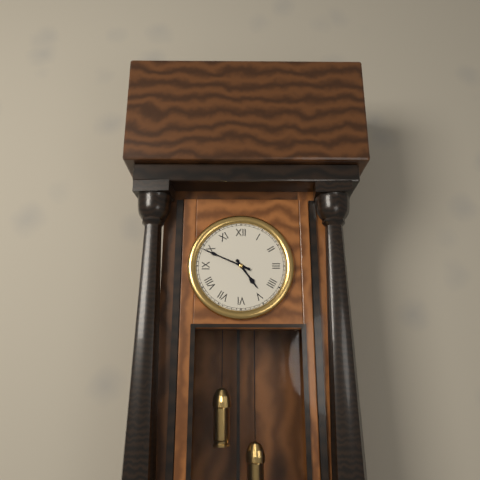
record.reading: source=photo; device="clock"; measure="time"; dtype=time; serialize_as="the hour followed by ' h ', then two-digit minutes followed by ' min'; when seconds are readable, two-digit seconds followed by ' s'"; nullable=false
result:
4 h 49 min
